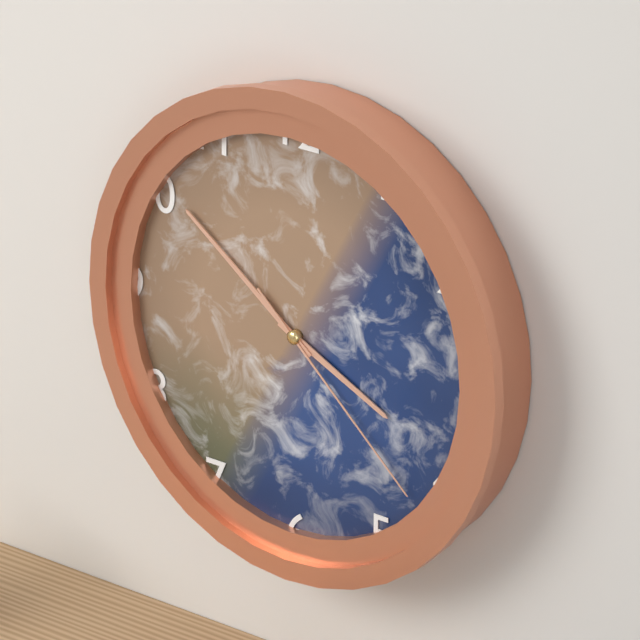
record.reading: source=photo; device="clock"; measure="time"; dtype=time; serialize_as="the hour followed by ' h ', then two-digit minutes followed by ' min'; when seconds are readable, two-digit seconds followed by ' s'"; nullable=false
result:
3 h 51 min 22 s
